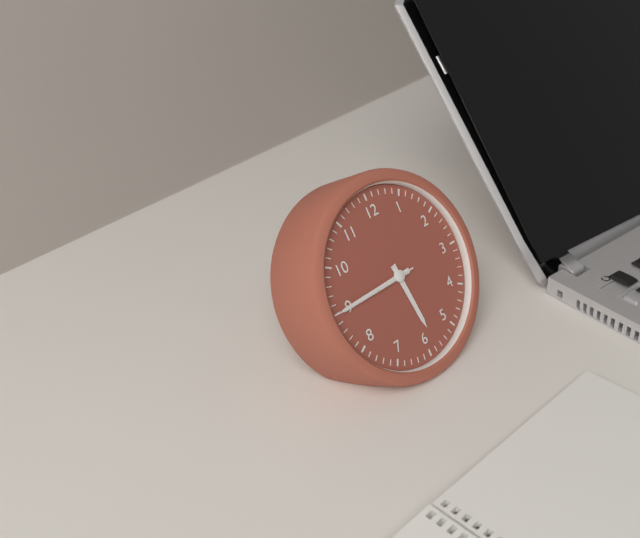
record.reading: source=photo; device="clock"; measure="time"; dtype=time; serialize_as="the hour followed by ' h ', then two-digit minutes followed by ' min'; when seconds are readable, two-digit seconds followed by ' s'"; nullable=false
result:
5 h 45 min 45 s
